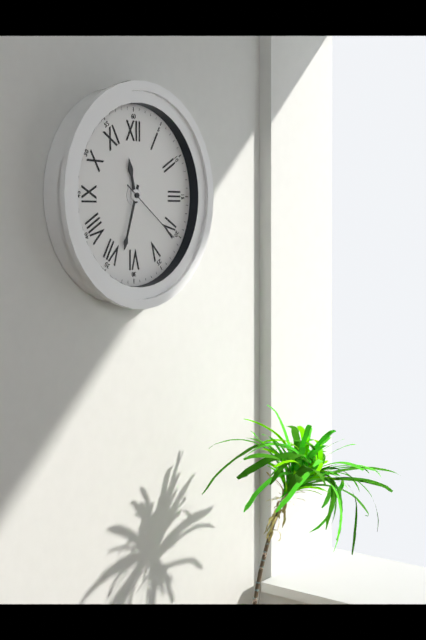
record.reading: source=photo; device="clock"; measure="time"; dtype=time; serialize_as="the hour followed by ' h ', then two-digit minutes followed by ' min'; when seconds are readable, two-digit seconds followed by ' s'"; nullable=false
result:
11 h 33 min 21 s
